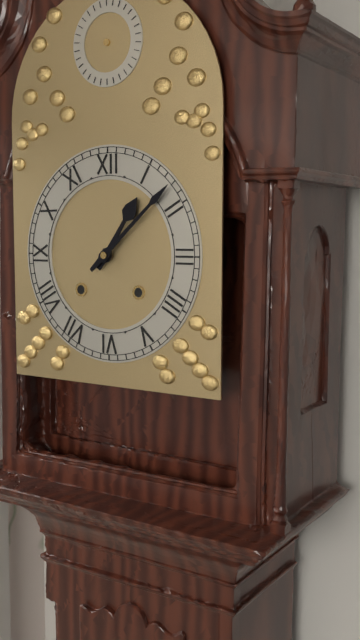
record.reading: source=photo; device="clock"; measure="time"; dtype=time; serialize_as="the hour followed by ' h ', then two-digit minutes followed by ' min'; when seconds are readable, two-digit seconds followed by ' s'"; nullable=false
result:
1 h 08 min
